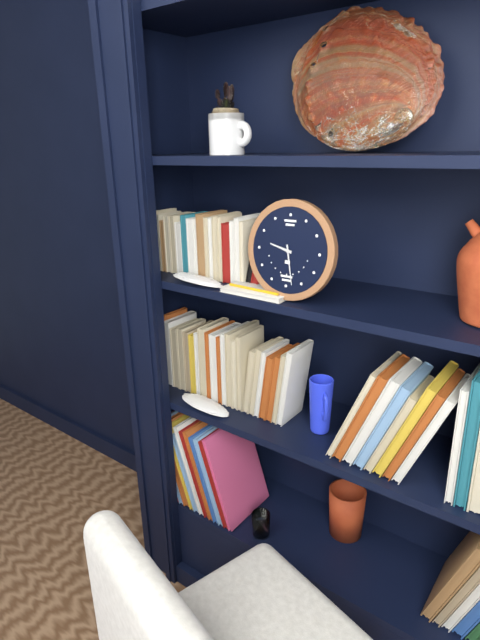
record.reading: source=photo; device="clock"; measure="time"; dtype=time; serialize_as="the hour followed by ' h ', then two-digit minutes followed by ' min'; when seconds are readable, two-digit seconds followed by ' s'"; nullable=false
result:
9 h 28 min
